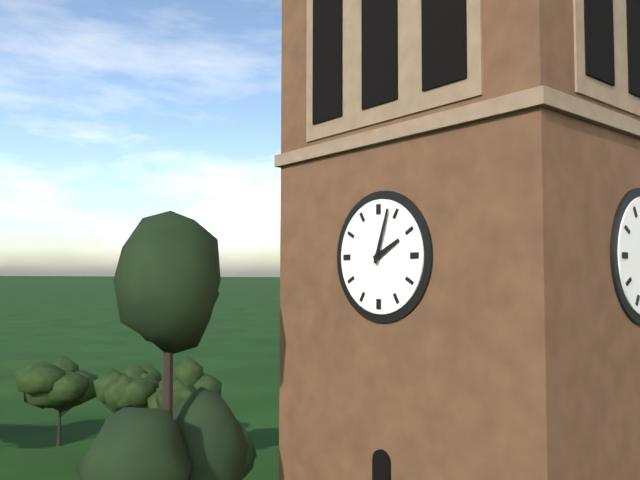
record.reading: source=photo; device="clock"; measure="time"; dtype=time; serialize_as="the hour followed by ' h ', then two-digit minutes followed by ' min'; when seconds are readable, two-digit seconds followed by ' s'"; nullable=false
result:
2 h 03 min
